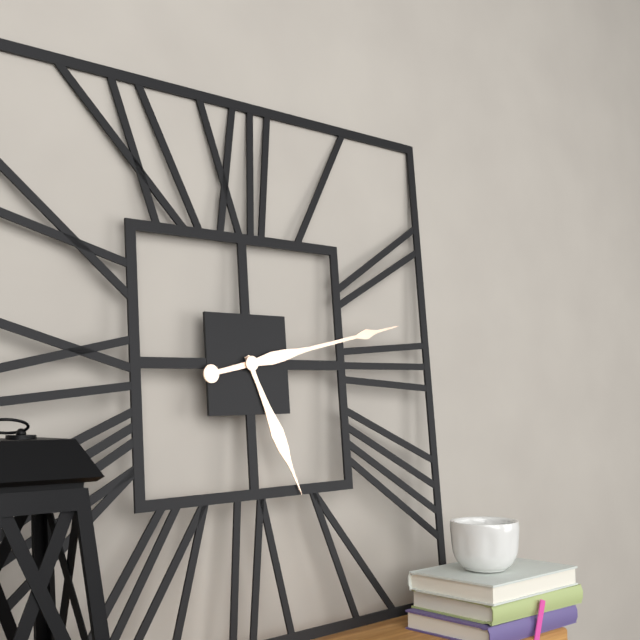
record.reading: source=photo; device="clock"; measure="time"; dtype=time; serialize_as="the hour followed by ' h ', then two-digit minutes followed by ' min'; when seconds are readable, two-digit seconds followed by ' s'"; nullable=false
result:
5 h 13 min
